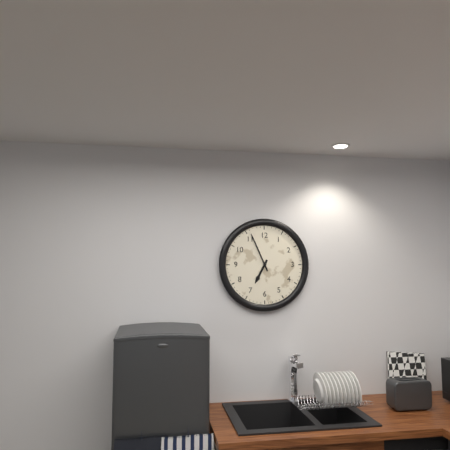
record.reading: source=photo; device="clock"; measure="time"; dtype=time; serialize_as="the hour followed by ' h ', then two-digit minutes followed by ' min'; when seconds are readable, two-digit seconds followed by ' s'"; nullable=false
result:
6 h 56 min
